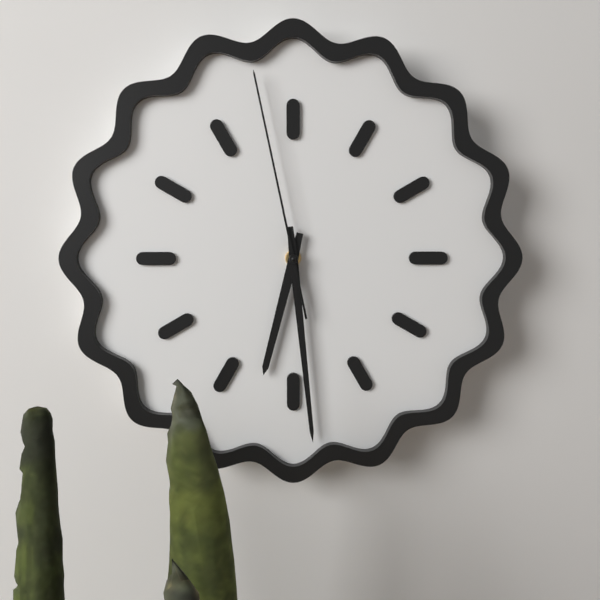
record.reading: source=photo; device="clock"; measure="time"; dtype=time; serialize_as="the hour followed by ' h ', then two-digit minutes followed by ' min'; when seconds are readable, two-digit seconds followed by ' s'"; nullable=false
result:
6 h 29 min 58 s
